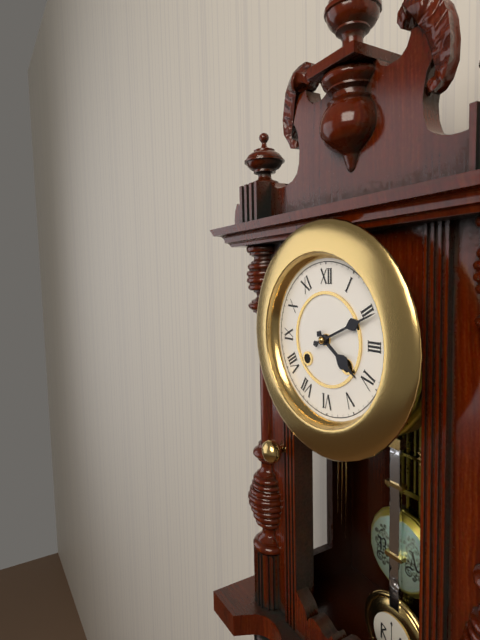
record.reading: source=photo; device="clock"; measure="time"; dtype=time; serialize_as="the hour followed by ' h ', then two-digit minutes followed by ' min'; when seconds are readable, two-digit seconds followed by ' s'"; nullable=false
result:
4 h 11 min
